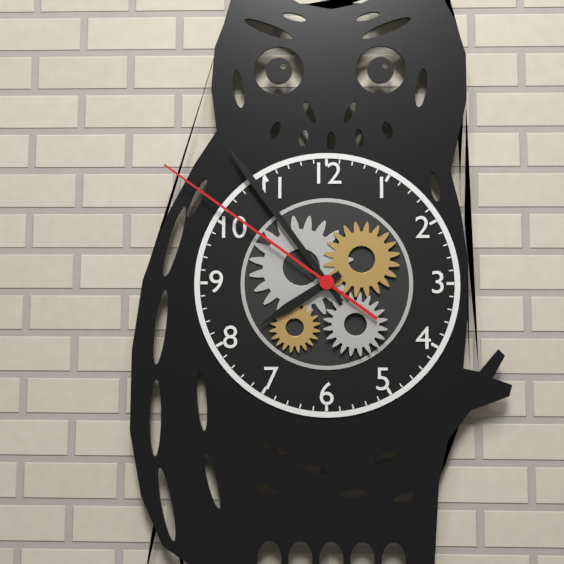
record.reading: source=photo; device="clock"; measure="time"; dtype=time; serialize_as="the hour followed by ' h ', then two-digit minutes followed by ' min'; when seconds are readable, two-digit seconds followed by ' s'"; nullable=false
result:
7 h 54 min 51 s
